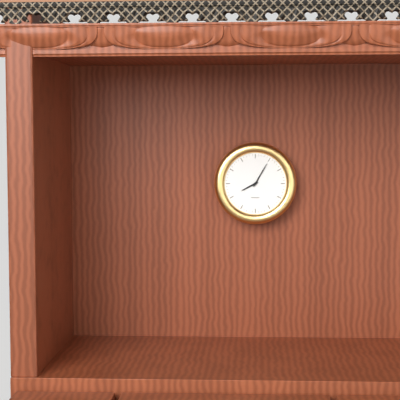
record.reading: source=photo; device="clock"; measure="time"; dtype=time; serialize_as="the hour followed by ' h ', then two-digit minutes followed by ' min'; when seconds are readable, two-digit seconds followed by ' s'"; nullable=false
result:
8 h 05 min
